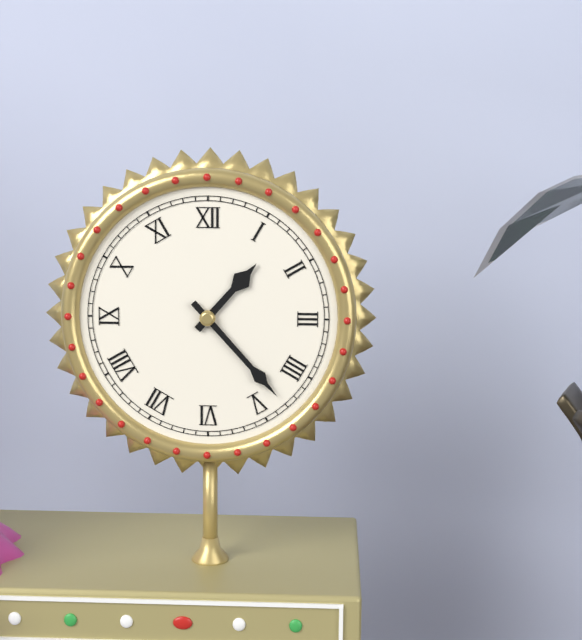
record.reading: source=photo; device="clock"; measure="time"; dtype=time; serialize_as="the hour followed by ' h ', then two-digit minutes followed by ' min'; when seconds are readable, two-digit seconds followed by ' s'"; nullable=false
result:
1 h 23 min
